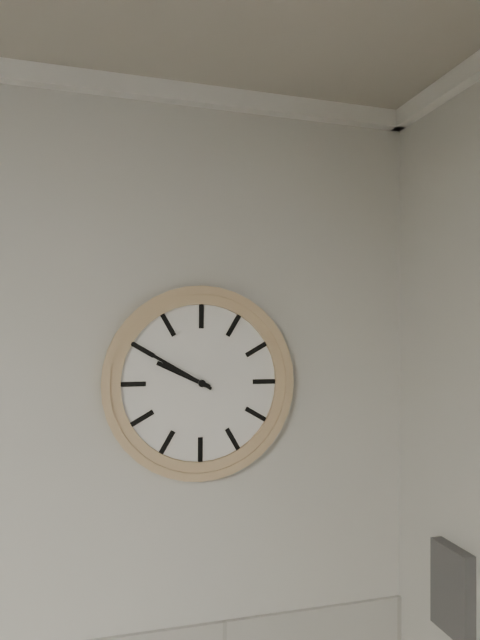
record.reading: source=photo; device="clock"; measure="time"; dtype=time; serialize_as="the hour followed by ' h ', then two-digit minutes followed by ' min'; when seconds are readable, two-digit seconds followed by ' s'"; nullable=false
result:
9 h 50 min
